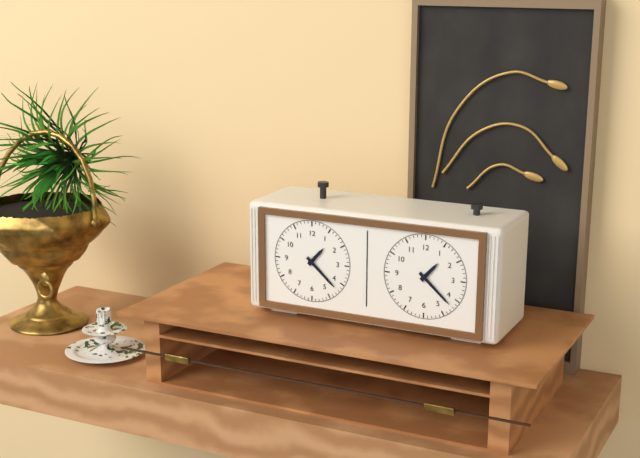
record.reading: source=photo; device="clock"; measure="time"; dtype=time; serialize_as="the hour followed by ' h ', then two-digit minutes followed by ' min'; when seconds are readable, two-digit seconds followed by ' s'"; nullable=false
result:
1 h 22 min
